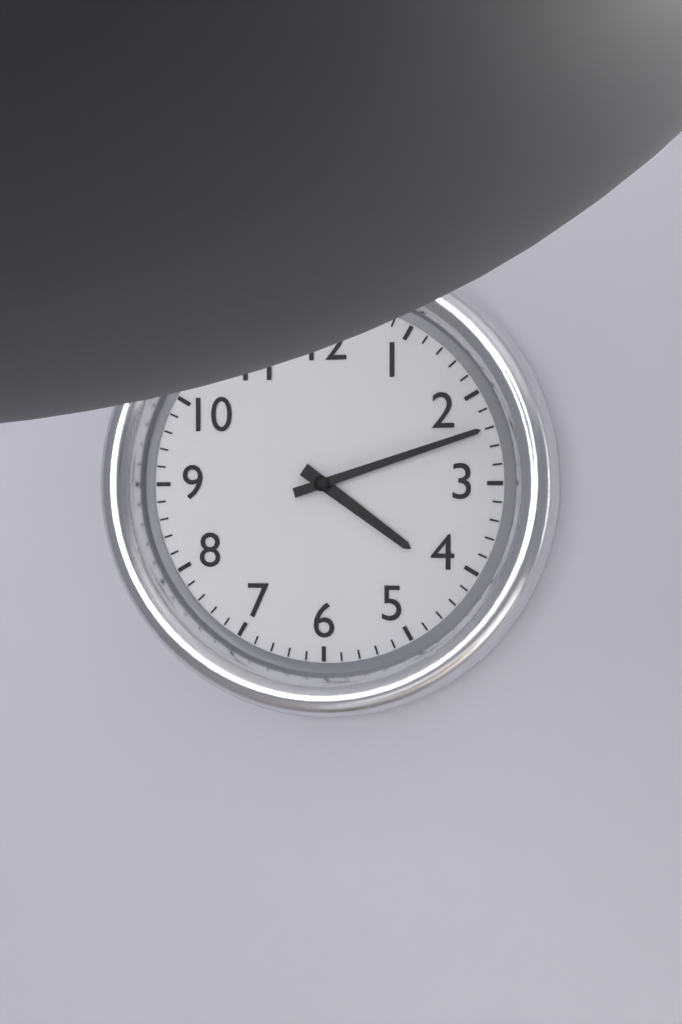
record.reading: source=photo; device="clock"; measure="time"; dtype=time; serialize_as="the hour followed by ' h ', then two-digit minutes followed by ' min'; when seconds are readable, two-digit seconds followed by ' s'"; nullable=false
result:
4 h 12 min
